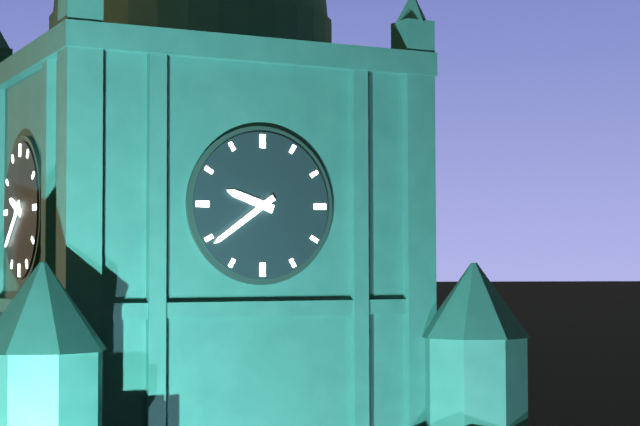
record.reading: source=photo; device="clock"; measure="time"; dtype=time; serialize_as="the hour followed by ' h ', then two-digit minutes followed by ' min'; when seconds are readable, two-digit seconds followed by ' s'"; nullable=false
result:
9 h 39 min
